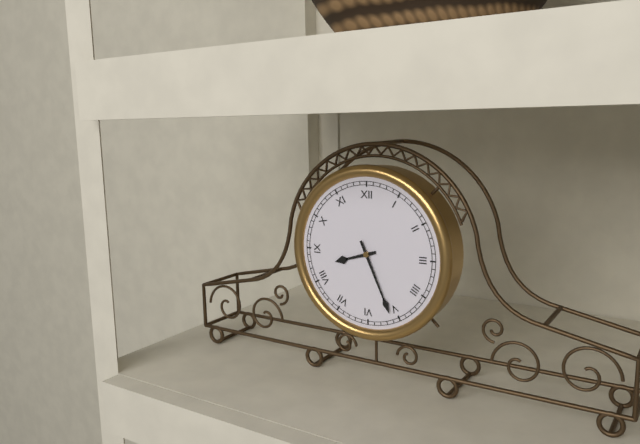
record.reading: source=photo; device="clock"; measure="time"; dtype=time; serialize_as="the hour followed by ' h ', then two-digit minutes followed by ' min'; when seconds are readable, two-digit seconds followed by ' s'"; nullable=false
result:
8 h 26 min
